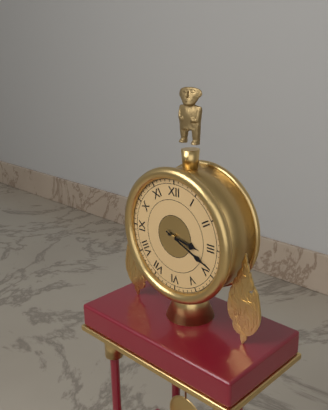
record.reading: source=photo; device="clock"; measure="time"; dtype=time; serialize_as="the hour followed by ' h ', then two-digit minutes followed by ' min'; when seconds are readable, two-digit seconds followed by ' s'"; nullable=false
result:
3 h 19 min
